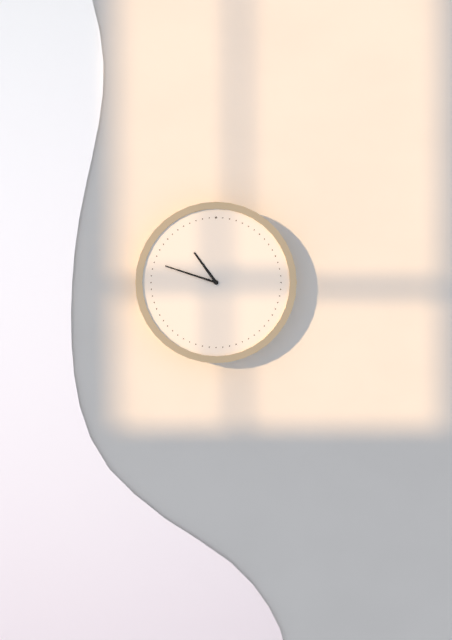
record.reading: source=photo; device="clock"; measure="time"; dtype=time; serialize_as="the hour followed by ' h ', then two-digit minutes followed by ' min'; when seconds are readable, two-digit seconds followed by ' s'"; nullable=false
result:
10 h 48 min
